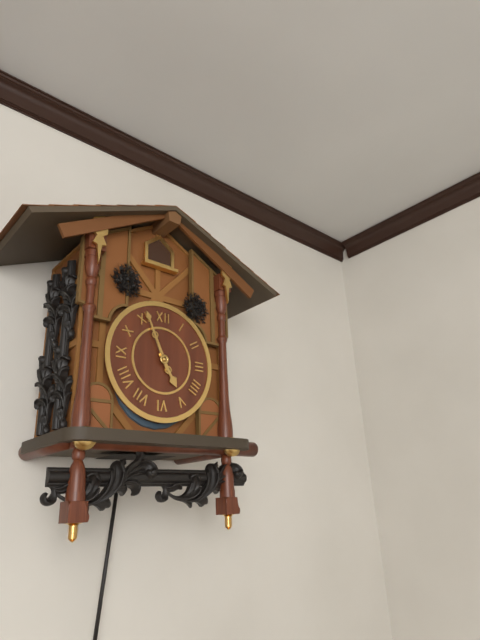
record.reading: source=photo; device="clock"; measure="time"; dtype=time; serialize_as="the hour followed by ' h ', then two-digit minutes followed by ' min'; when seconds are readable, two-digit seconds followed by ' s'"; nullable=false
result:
4 h 56 min
